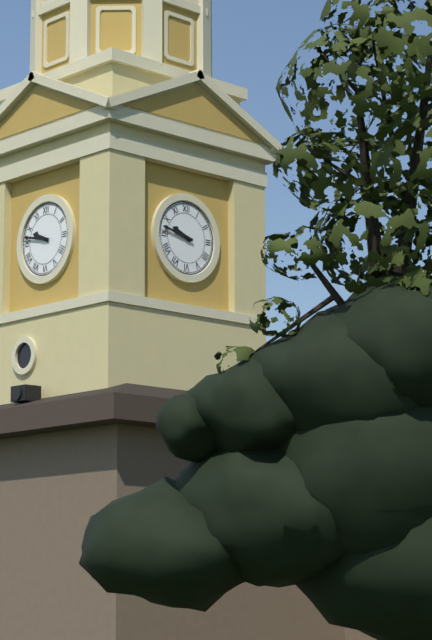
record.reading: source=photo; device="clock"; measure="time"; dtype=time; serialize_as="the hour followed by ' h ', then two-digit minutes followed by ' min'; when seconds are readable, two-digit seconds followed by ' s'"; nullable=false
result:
9 h 47 min
